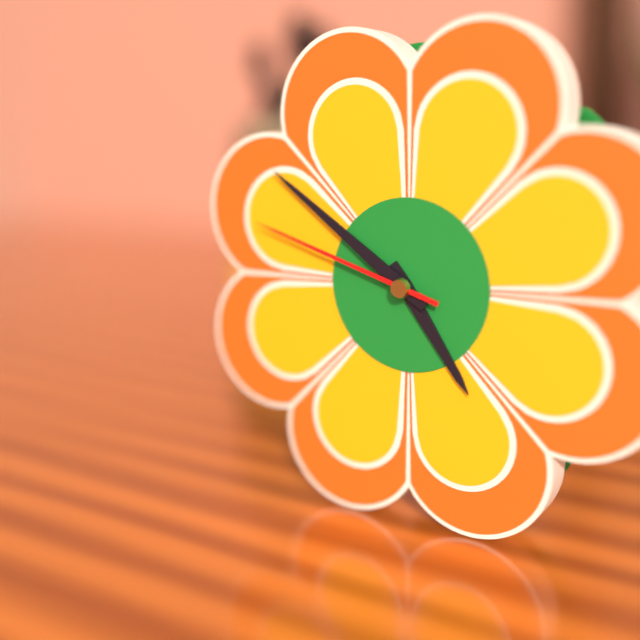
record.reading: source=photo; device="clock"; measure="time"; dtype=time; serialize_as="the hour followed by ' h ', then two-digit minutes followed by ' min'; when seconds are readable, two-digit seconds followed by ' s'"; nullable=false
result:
4 h 51 min 48 s
